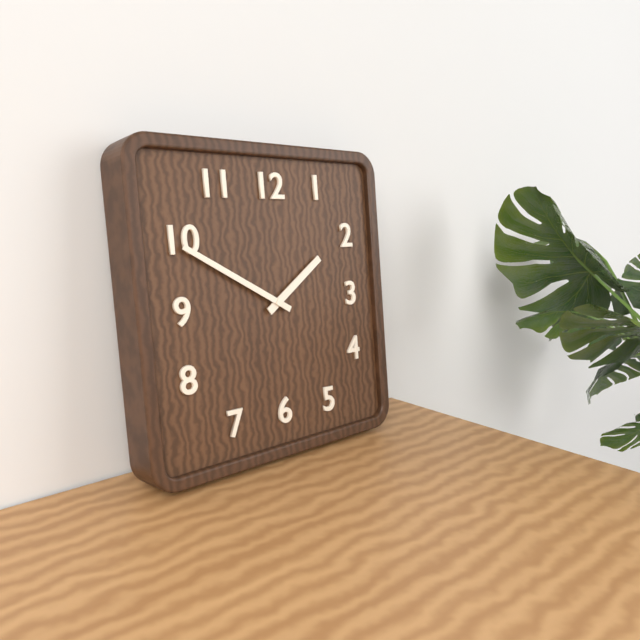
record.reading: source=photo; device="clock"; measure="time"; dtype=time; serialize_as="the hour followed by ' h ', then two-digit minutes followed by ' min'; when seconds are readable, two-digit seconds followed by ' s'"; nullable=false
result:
1 h 50 min
